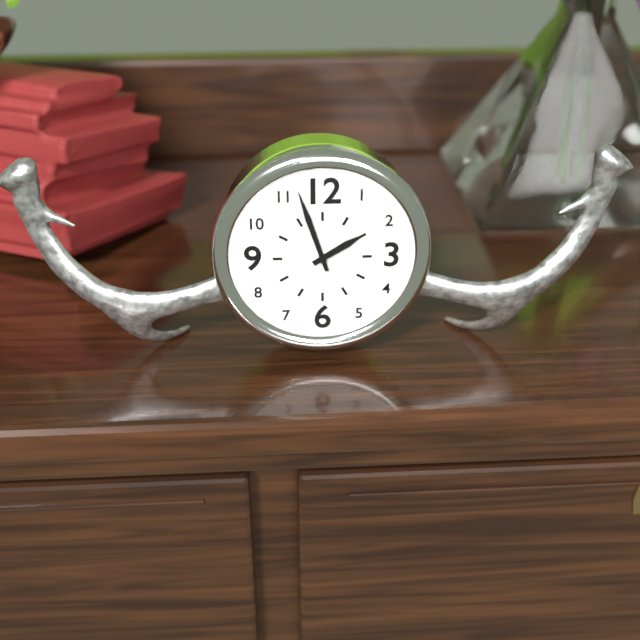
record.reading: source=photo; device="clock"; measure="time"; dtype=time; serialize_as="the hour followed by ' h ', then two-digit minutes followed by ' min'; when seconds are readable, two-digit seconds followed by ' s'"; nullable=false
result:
1 h 57 min
